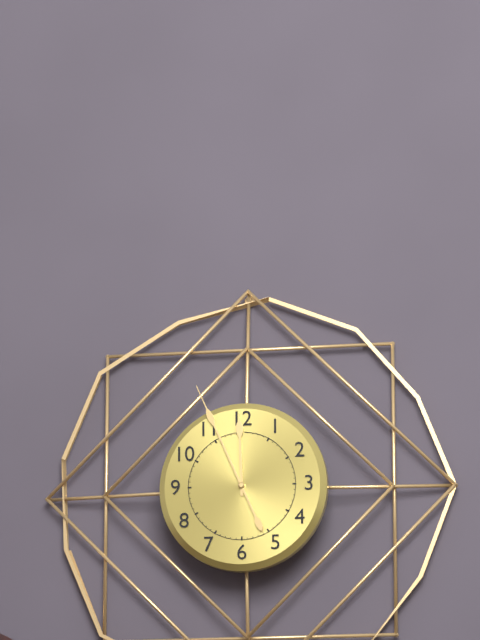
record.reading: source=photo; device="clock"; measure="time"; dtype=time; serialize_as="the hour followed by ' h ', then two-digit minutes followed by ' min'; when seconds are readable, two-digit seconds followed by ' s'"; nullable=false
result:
11 h 56 min
